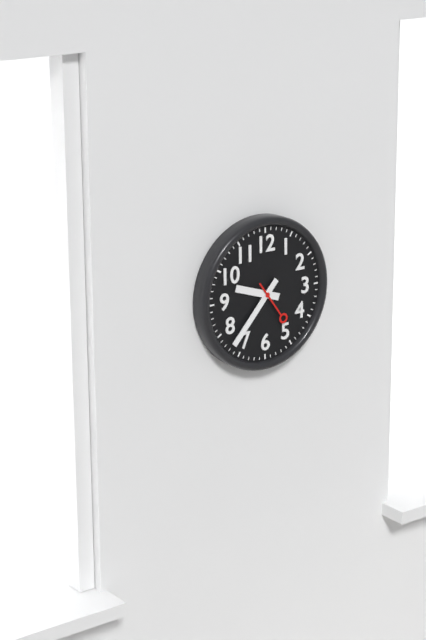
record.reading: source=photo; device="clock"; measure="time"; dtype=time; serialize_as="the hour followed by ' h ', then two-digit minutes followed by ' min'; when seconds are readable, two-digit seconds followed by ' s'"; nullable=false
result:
9 h 37 min 24 s
